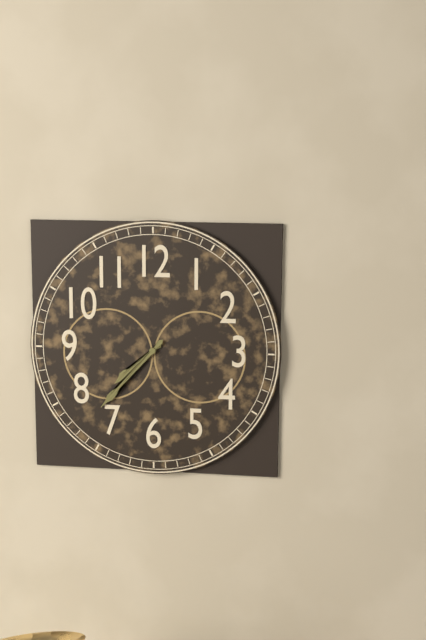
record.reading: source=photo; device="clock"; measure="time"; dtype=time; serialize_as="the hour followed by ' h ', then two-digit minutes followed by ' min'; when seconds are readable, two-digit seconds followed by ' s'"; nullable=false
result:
7 h 37 min
